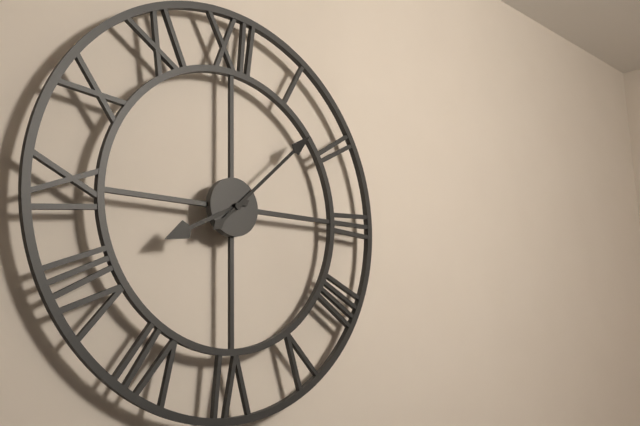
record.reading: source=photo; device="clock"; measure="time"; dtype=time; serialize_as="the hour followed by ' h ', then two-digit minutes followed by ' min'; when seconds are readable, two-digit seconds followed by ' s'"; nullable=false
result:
8 h 08 min
